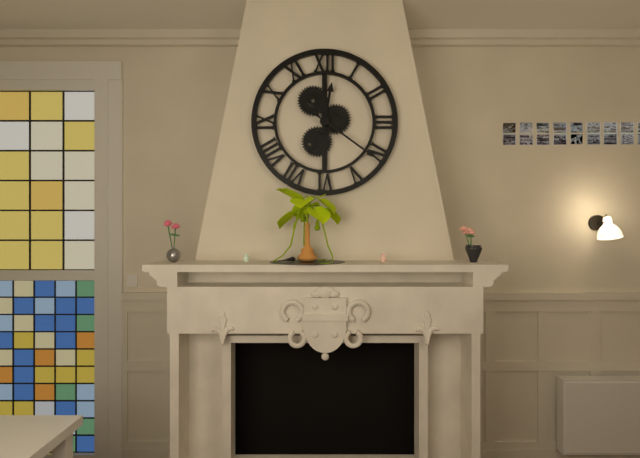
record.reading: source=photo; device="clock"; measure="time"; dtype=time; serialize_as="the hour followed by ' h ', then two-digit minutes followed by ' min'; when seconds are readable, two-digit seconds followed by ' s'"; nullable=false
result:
12 h 21 min
